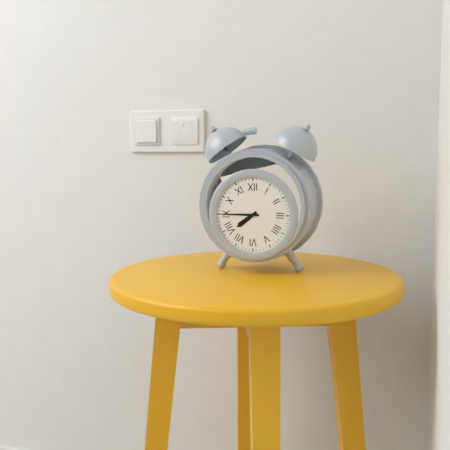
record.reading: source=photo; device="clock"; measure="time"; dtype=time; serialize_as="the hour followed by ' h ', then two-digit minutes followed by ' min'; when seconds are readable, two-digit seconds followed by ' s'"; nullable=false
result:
7 h 45 min
